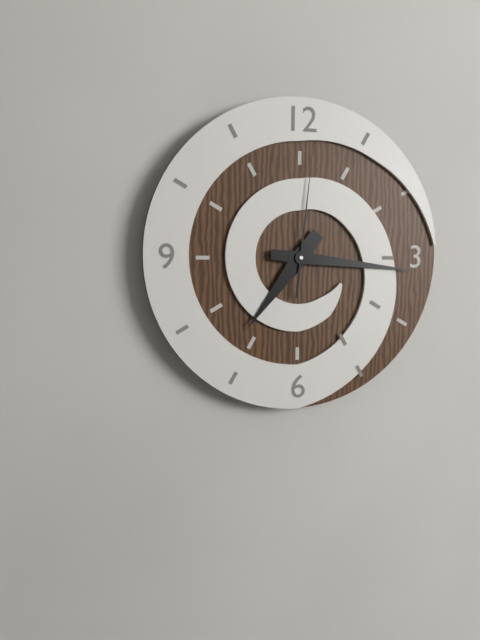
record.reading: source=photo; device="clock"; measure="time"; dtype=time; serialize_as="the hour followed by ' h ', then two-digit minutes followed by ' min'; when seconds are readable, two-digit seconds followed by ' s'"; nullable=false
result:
7 h 16 min 01 s
